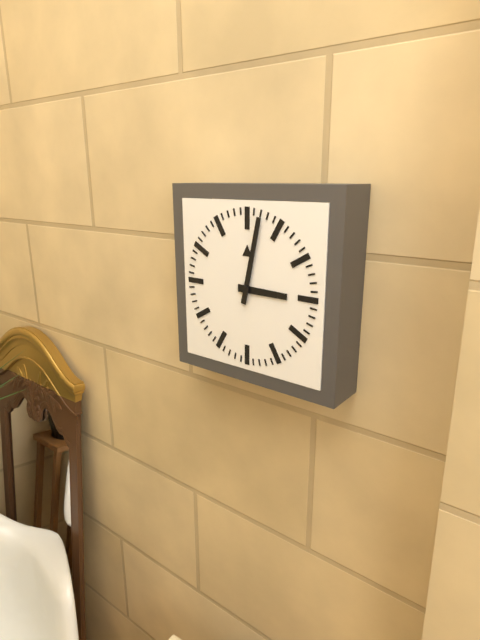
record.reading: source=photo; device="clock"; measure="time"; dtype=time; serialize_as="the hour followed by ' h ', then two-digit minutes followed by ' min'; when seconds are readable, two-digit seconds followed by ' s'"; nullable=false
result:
3 h 02 min
